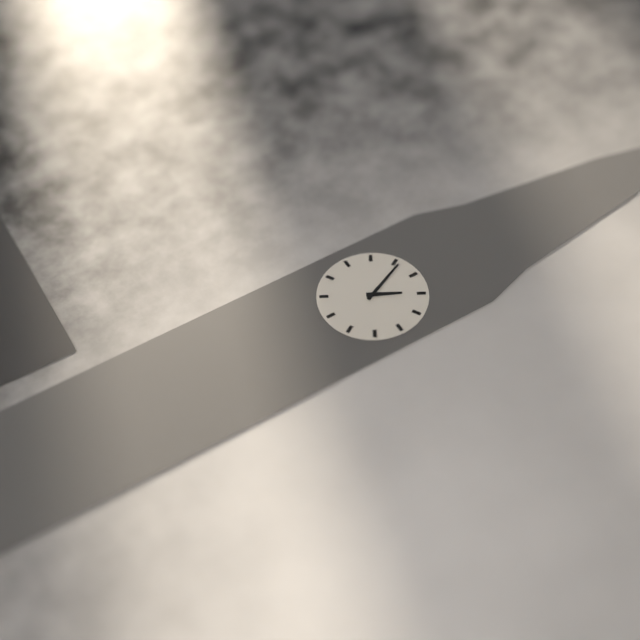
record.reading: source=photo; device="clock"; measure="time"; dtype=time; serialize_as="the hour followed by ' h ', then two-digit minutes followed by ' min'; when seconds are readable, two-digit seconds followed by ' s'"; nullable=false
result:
12 h 56 min
